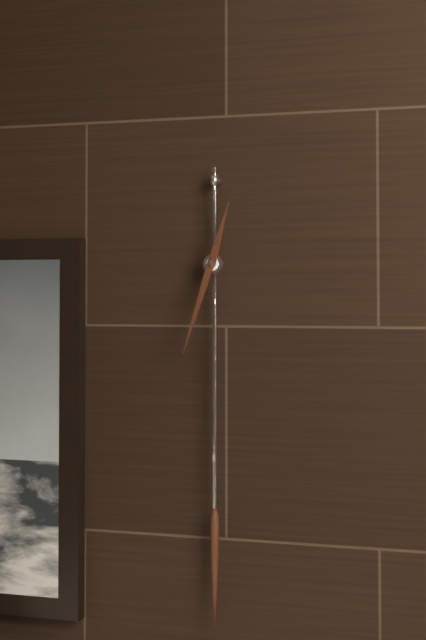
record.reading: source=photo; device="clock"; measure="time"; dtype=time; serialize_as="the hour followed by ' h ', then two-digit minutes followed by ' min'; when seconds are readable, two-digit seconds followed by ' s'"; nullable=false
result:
12 h 33 min
